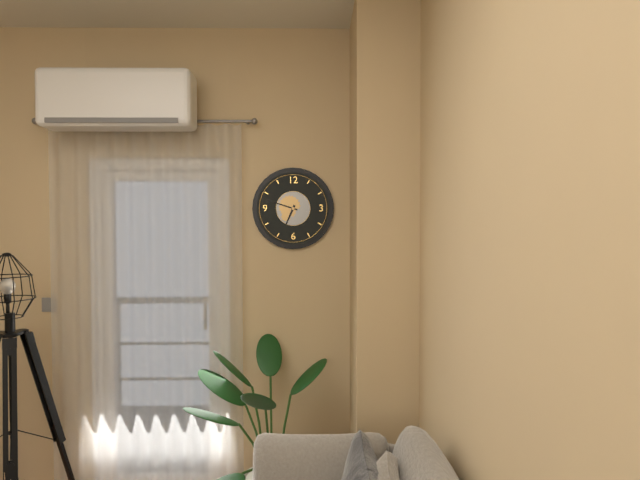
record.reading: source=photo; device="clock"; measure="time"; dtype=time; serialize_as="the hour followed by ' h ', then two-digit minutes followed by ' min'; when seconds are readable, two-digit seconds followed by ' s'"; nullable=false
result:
6 h 48 min
